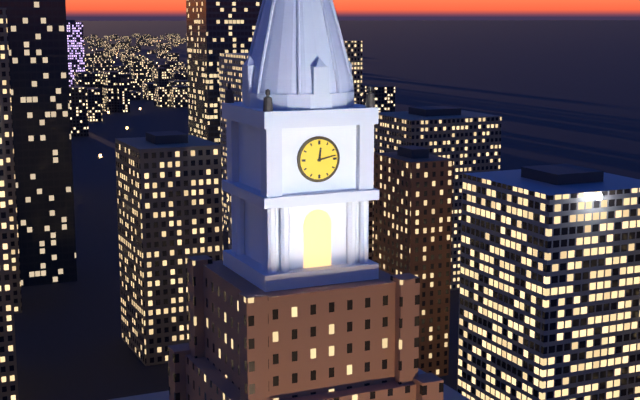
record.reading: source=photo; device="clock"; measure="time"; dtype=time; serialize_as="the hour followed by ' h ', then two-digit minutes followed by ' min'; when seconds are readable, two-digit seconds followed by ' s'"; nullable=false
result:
12 h 13 min
